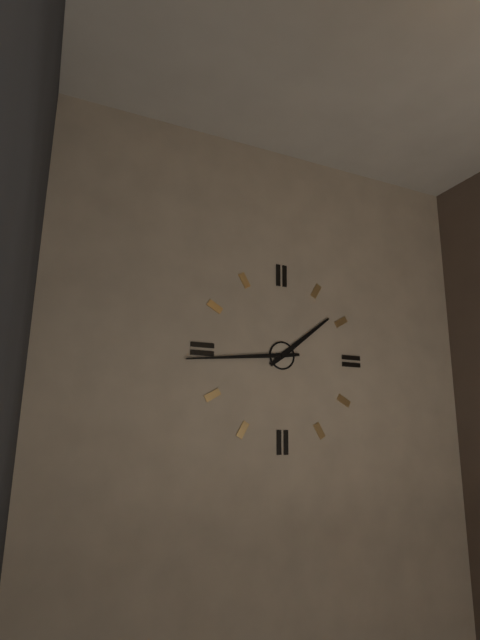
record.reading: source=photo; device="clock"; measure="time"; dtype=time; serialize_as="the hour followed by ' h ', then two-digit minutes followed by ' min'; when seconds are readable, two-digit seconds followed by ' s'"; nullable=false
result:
1 h 44 min
